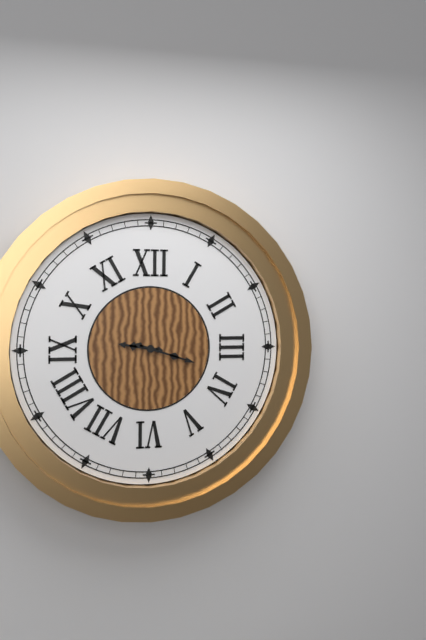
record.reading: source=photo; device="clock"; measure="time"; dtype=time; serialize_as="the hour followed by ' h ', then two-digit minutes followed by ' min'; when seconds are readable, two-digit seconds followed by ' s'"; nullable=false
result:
9 h 18 min
